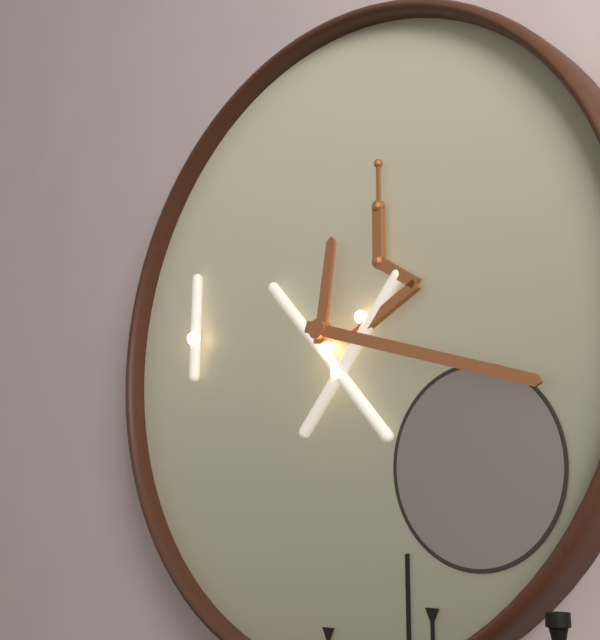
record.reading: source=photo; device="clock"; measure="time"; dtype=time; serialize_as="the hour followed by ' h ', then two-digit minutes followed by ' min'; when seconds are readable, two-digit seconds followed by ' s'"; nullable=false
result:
12 h 18 min
